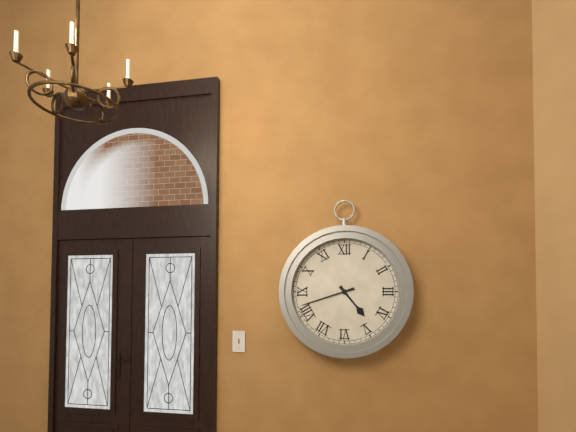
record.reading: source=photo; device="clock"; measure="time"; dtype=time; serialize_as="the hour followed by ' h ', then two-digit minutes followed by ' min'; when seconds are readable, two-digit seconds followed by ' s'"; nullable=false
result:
4 h 42 min
